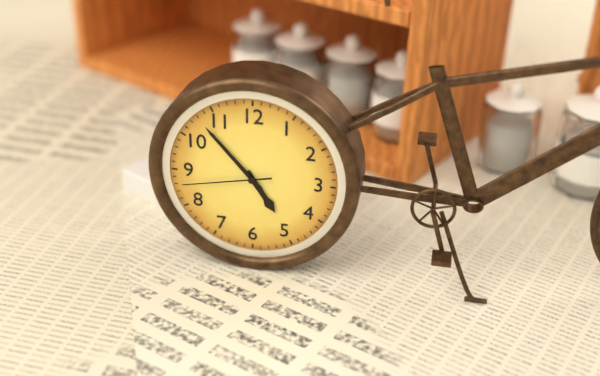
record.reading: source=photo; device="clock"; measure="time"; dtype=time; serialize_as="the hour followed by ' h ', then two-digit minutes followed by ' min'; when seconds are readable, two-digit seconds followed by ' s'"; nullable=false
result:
4 h 53 min 43 s
